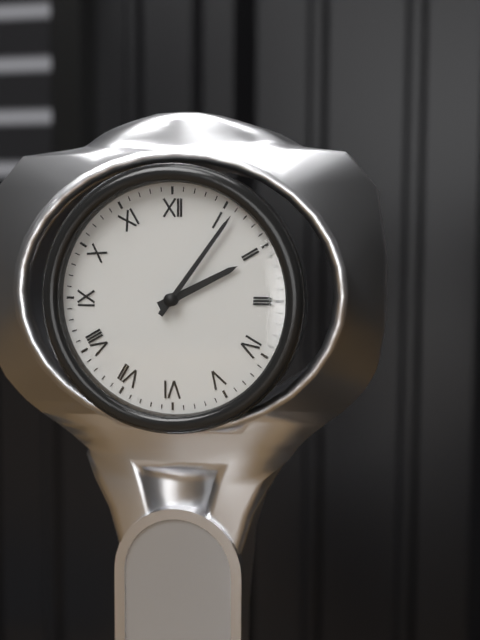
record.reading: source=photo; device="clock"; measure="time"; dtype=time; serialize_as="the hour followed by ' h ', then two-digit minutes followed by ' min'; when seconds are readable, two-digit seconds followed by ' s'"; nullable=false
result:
2 h 06 min
